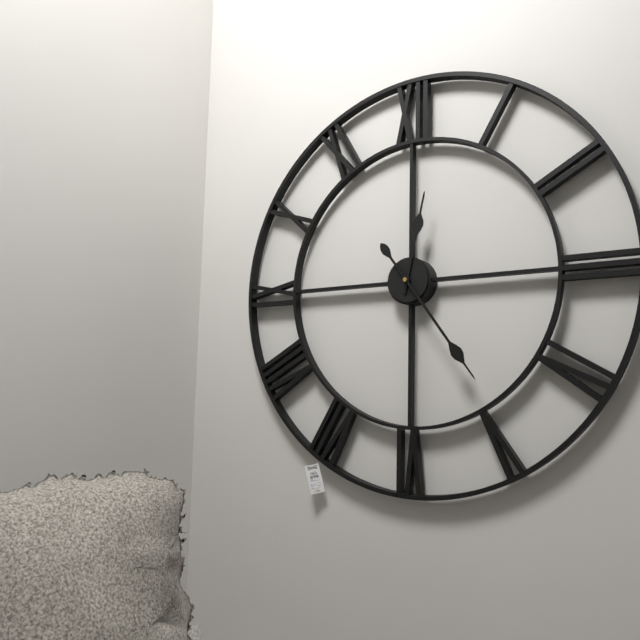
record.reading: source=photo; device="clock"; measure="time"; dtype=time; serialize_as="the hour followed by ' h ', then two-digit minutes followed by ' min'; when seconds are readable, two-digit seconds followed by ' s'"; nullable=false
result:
12 h 24 min
